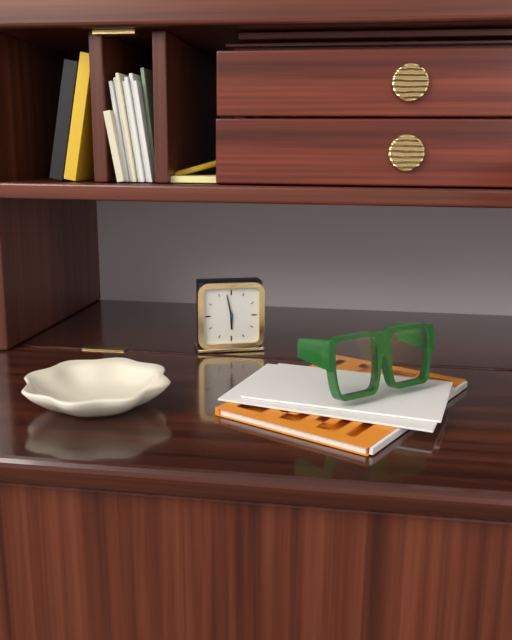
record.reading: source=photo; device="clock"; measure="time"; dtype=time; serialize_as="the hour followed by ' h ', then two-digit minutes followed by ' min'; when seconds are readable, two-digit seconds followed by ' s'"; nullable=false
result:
5 h 58 min
